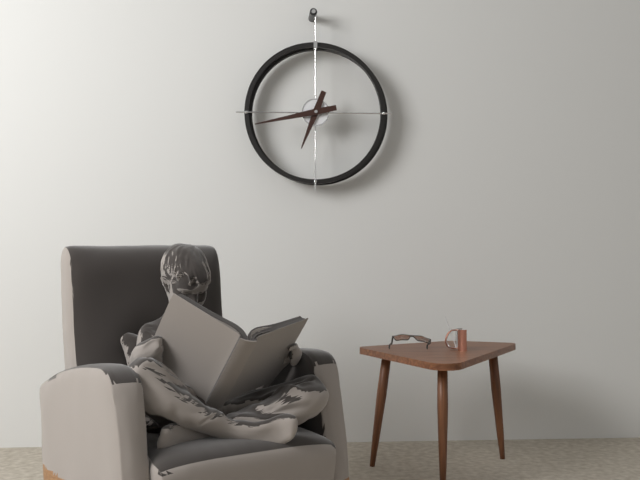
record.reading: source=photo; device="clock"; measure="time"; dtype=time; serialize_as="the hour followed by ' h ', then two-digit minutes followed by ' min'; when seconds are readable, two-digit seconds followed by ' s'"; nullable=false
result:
6 h 43 min
